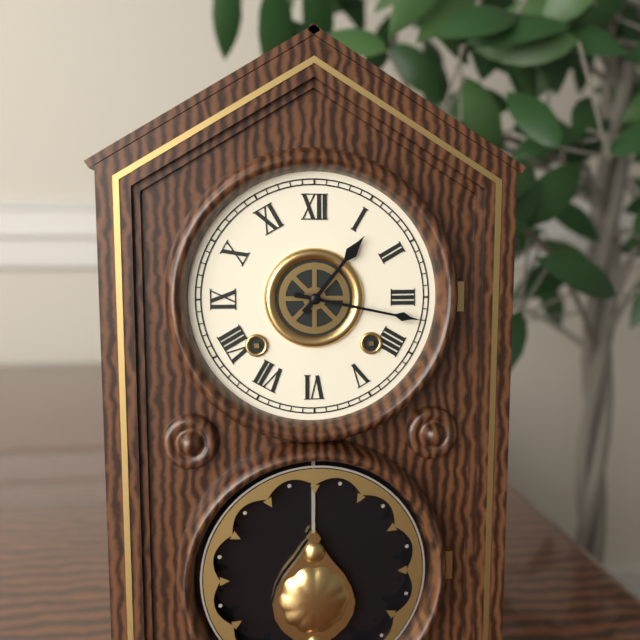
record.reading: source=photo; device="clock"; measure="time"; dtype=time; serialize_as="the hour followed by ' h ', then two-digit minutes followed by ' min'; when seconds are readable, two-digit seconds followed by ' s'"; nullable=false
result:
1 h 17 min
